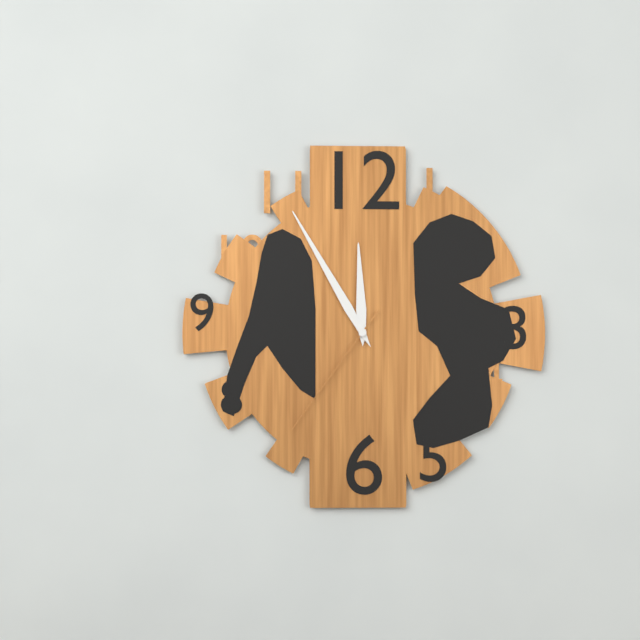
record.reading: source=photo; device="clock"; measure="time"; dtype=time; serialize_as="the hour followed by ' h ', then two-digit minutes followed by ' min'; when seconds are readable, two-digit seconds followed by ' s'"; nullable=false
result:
11 h 55 min 36 s
